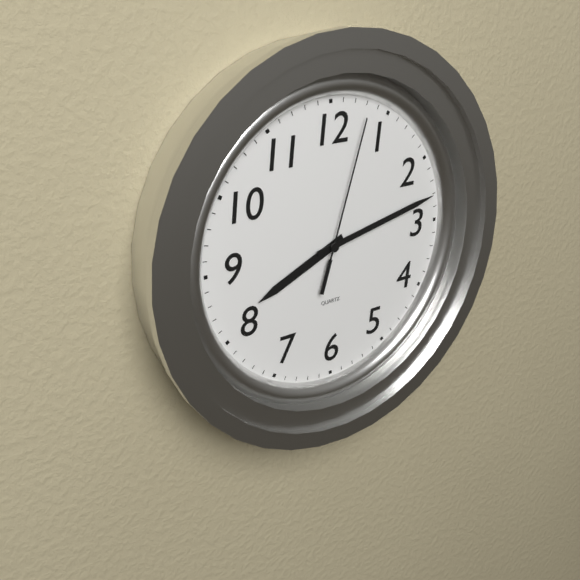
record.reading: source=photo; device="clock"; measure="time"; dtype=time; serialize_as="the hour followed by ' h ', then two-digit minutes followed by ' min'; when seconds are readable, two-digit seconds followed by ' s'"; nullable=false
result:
8 h 13 min 03 s
